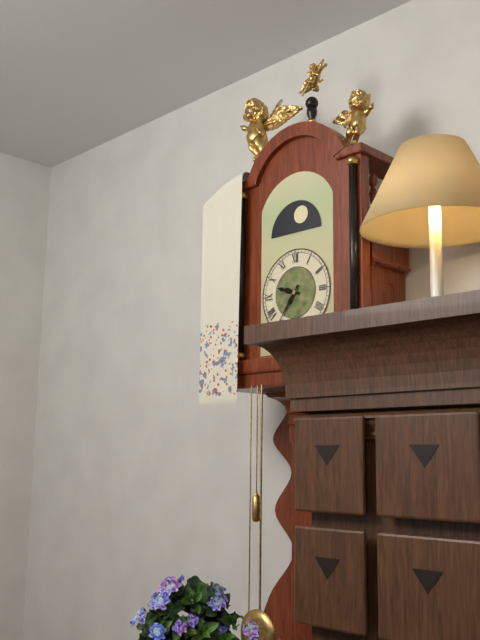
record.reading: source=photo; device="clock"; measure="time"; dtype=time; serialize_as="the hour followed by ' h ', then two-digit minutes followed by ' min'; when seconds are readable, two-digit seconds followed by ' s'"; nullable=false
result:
9 h 36 min
